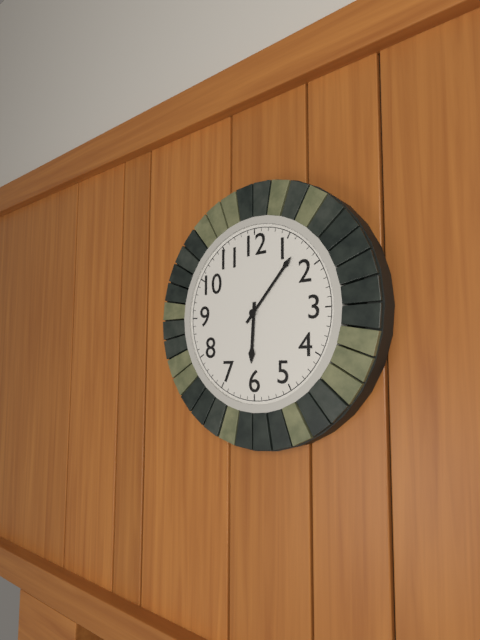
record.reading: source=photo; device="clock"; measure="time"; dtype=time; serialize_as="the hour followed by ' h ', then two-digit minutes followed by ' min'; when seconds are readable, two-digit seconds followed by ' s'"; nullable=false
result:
6 h 07 min
